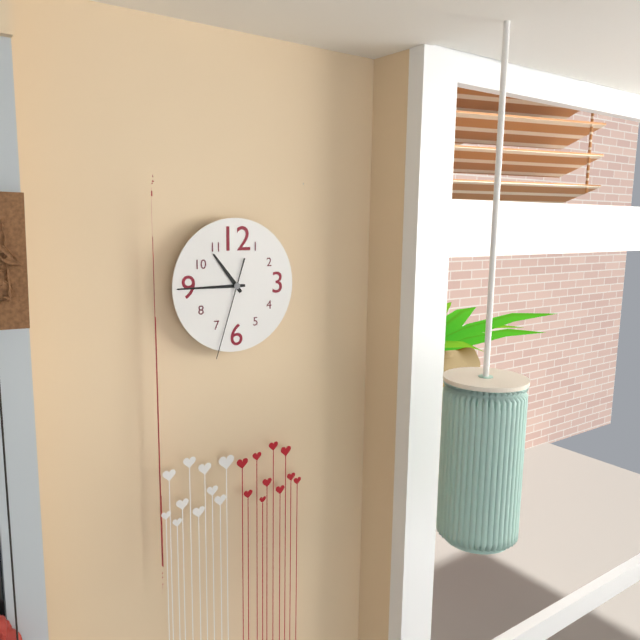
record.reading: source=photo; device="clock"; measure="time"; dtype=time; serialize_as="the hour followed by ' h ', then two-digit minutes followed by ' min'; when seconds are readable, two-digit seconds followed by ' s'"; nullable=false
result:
10 h 45 min 33 s
